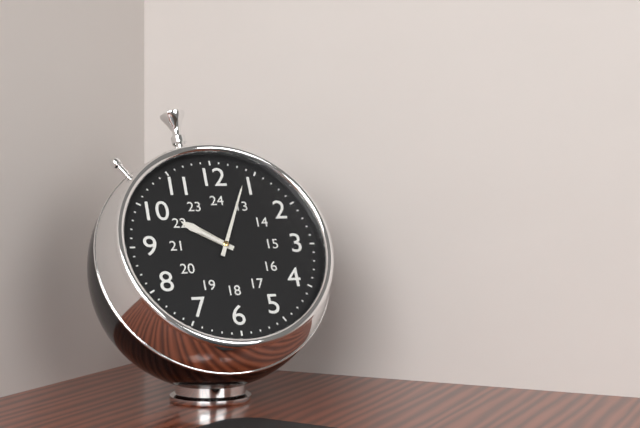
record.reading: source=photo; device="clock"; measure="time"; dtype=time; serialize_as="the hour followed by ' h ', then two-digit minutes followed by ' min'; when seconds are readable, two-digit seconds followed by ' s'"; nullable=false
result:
10 h 04 min
